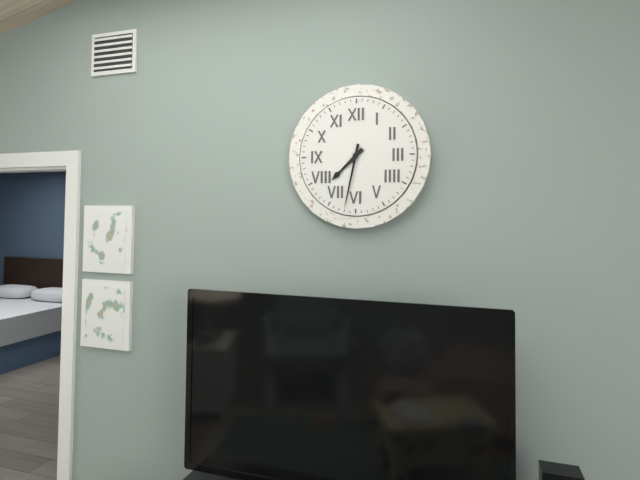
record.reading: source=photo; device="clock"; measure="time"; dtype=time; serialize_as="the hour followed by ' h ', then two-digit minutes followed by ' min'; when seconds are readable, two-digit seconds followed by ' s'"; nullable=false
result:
7 h 32 min
